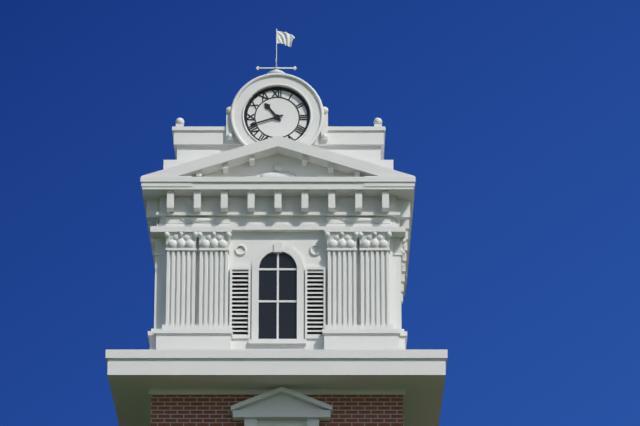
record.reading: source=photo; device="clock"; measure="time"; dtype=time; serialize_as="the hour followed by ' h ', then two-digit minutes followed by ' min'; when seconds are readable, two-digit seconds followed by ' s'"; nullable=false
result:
10 h 42 min
